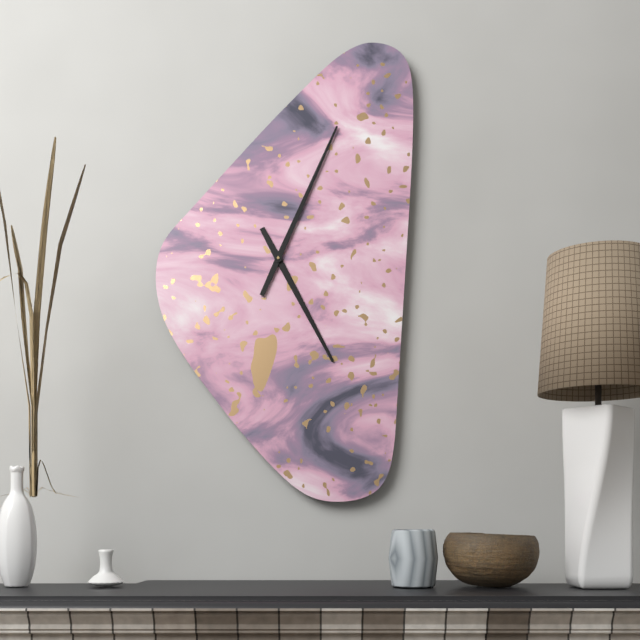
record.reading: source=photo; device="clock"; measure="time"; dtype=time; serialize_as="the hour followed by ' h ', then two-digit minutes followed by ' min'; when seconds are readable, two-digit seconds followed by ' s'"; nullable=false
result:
5 h 04 min
